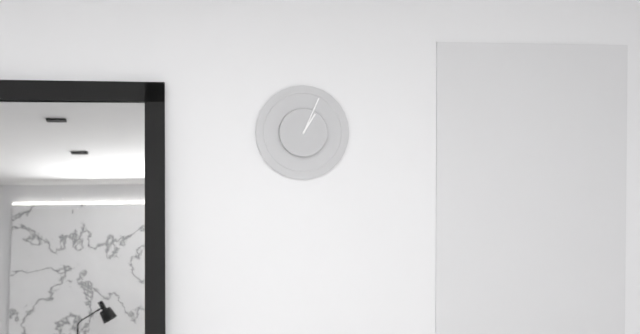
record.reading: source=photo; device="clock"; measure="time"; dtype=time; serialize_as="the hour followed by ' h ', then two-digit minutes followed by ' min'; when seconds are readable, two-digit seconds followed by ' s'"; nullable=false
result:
1 h 04 min
